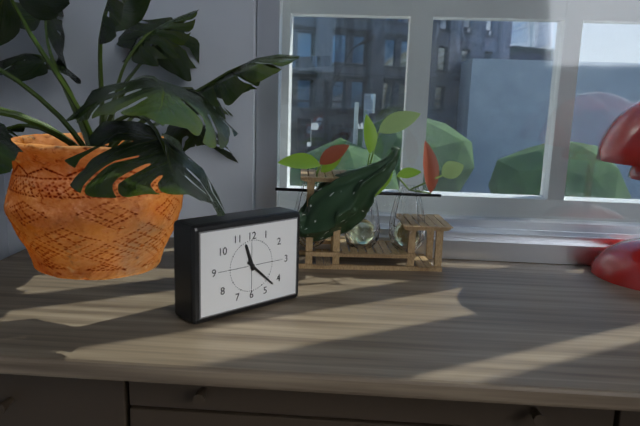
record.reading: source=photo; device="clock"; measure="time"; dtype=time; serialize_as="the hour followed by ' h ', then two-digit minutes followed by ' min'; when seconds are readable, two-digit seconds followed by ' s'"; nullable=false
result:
11 h 22 min
